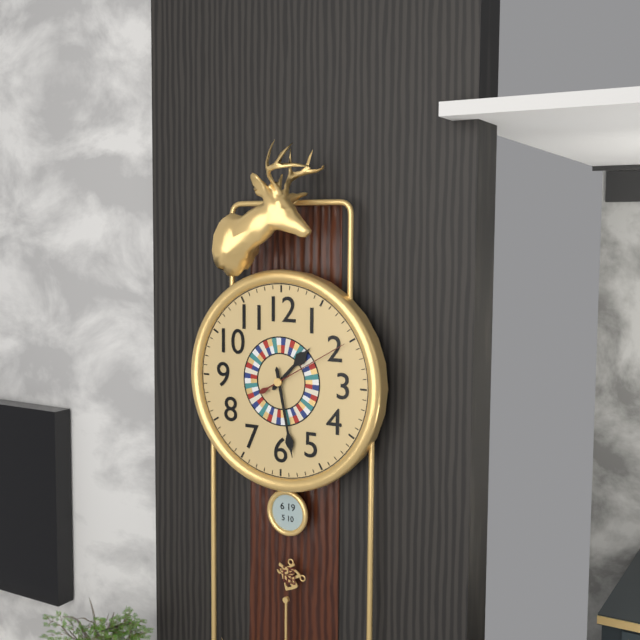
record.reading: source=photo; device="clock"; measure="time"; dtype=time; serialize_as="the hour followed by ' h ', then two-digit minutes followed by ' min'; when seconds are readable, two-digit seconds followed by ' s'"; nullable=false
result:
1 h 28 min 10 s
